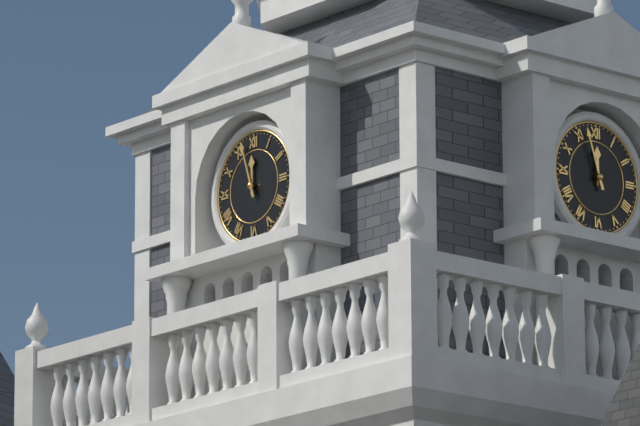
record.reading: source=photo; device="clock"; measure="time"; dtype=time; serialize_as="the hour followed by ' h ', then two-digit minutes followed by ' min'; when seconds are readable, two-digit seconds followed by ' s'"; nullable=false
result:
11 h 57 min
